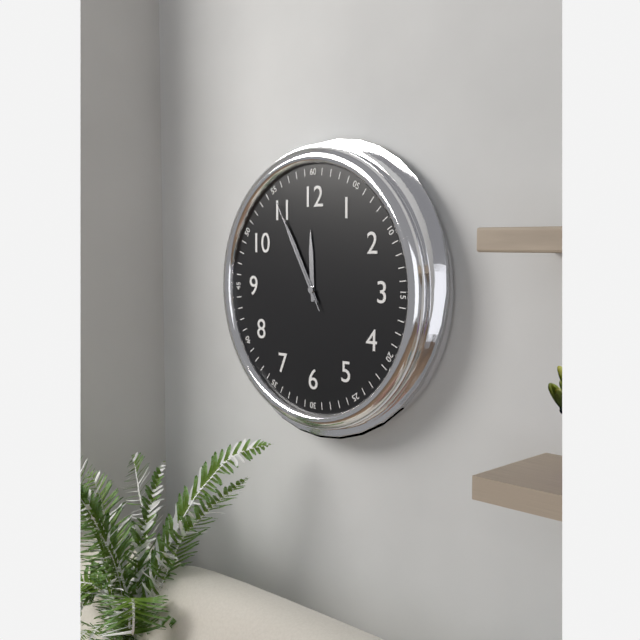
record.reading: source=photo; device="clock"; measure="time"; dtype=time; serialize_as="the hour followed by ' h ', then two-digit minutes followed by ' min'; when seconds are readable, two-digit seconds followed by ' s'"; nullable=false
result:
11 h 55 min 55 s
